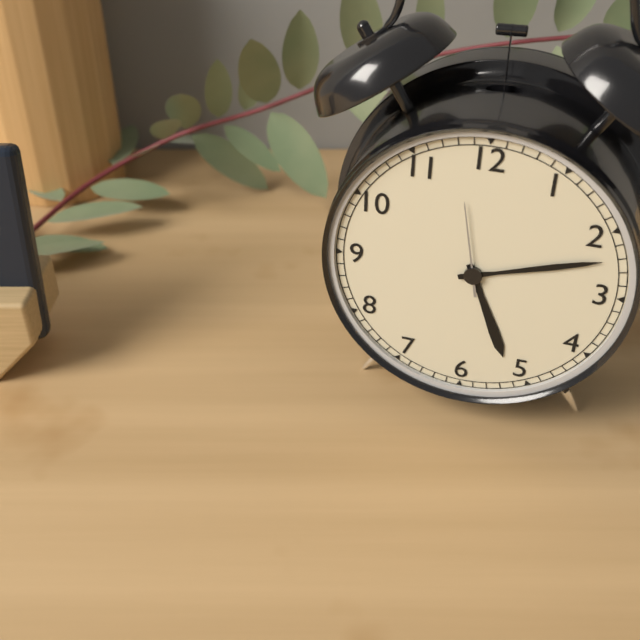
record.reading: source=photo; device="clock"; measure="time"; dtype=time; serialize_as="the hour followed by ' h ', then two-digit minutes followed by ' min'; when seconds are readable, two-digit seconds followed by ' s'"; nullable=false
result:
5 h 12 min 58 s
